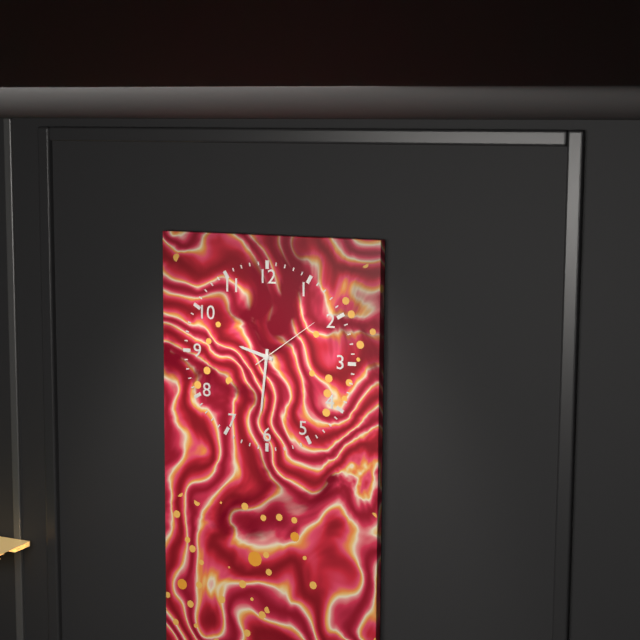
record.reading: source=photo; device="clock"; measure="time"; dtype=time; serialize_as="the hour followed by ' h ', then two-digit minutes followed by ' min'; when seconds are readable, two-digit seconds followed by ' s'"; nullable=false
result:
9 h 31 min 09 s
